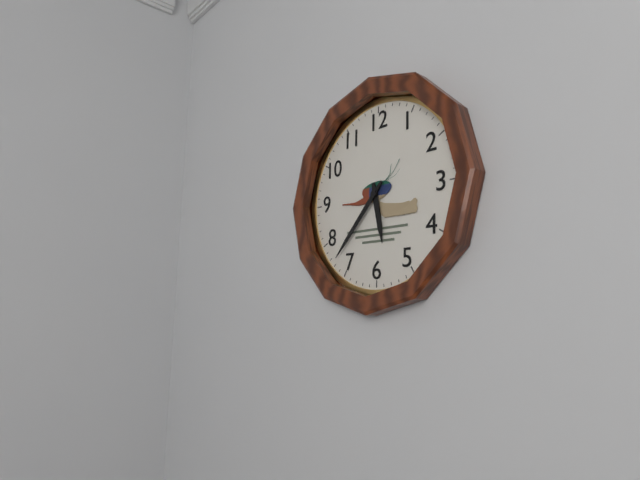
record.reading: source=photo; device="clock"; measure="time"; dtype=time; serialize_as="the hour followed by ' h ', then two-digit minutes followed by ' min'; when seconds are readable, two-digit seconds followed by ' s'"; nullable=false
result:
5 h 37 min
